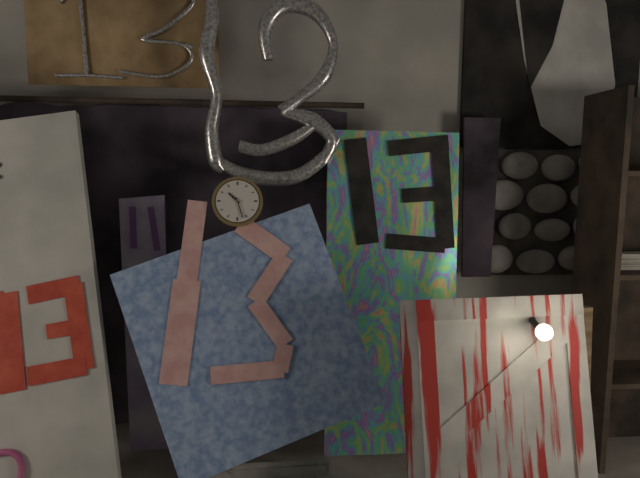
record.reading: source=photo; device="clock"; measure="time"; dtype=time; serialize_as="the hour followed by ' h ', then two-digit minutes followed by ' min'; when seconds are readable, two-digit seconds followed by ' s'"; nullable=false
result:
10 h 27 min
